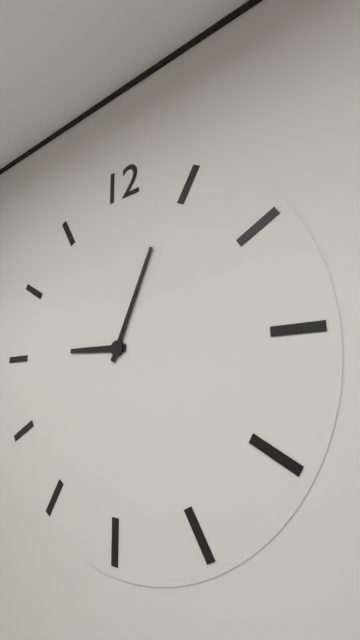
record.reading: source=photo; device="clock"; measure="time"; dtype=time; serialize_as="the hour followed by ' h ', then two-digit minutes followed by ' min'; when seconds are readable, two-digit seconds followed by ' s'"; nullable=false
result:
9 h 04 min
